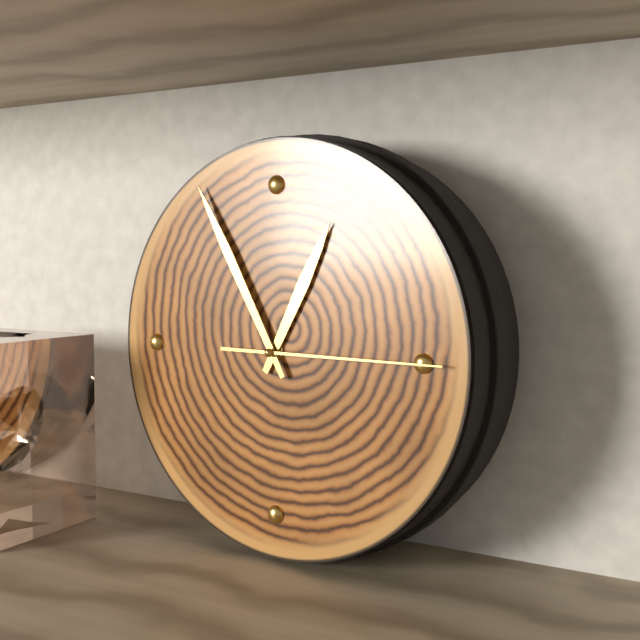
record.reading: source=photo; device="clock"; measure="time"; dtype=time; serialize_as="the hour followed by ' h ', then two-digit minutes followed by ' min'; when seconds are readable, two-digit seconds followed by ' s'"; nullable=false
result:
12 h 55 min 15 s
